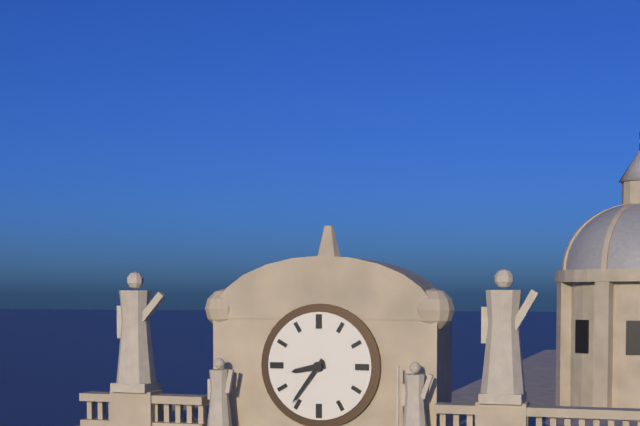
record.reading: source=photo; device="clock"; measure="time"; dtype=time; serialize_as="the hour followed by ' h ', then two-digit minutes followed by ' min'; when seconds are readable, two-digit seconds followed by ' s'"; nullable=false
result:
8 h 36 min
